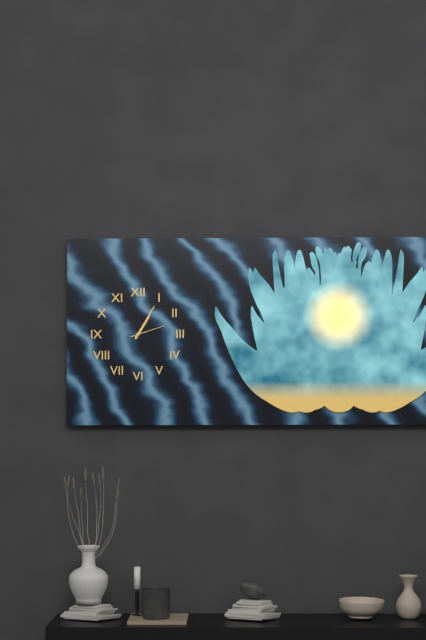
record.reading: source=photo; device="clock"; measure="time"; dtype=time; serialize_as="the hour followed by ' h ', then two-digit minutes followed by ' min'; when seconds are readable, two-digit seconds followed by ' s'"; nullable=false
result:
1 h 05 min
